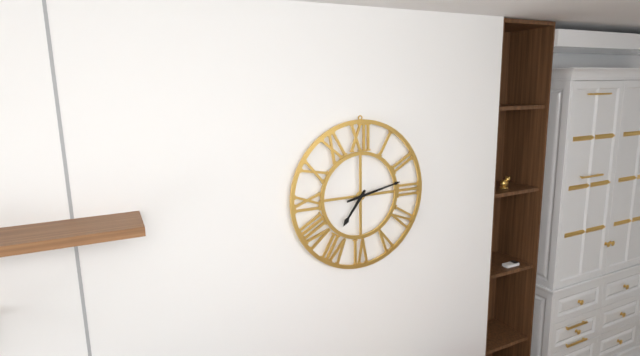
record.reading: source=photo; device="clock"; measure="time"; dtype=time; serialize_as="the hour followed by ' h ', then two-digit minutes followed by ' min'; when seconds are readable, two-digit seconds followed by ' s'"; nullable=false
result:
7 h 13 min
